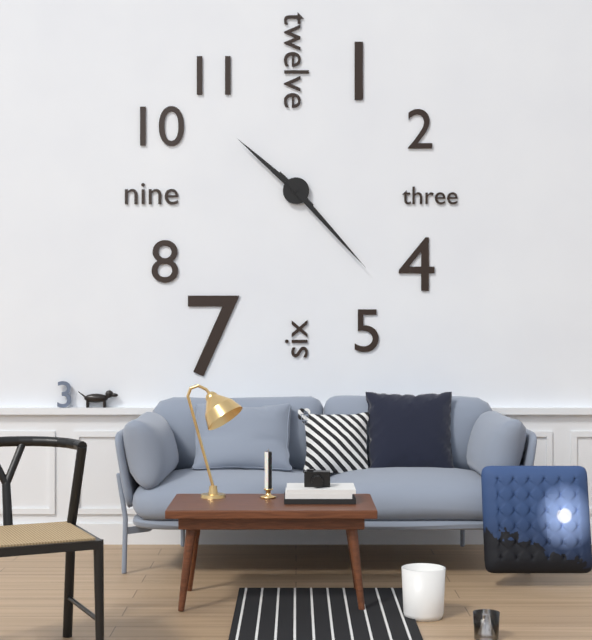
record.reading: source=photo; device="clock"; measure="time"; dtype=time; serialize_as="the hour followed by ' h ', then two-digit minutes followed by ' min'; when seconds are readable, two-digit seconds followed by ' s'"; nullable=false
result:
10 h 23 min
